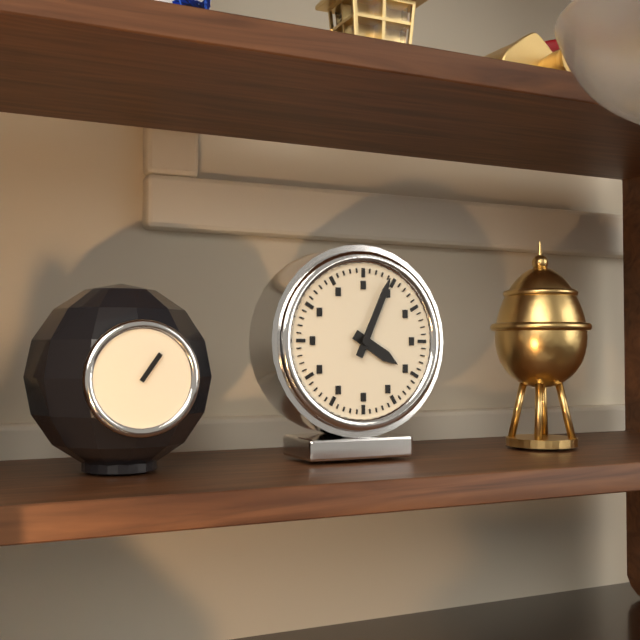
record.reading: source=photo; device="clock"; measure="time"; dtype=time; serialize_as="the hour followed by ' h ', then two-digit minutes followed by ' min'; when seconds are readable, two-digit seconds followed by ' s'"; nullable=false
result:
4 h 04 min
